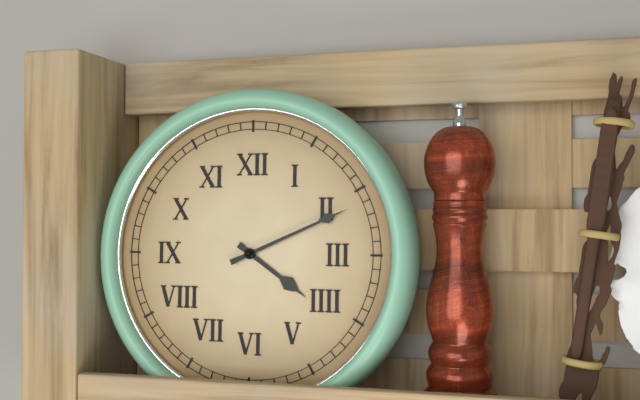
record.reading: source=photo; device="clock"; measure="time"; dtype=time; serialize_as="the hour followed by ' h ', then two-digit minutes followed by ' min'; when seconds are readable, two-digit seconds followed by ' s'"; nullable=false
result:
4 h 11 min
